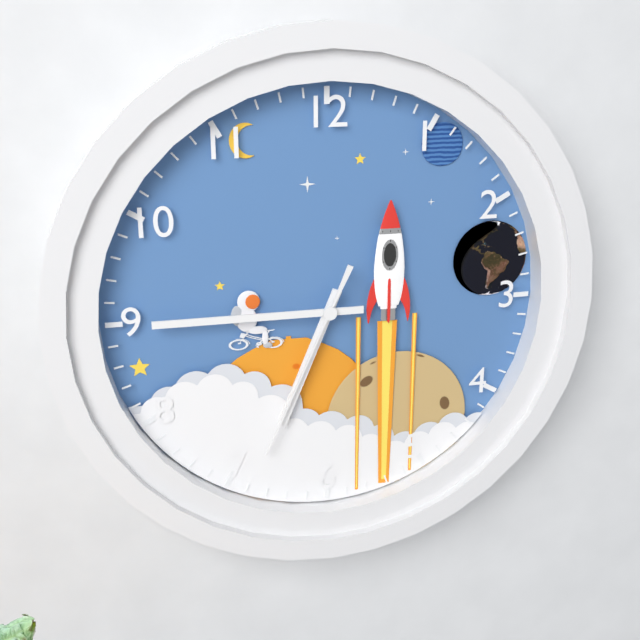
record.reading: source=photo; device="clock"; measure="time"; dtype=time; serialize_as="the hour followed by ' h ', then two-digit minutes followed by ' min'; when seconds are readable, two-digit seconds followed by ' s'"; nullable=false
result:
6 h 45 min 34 s
